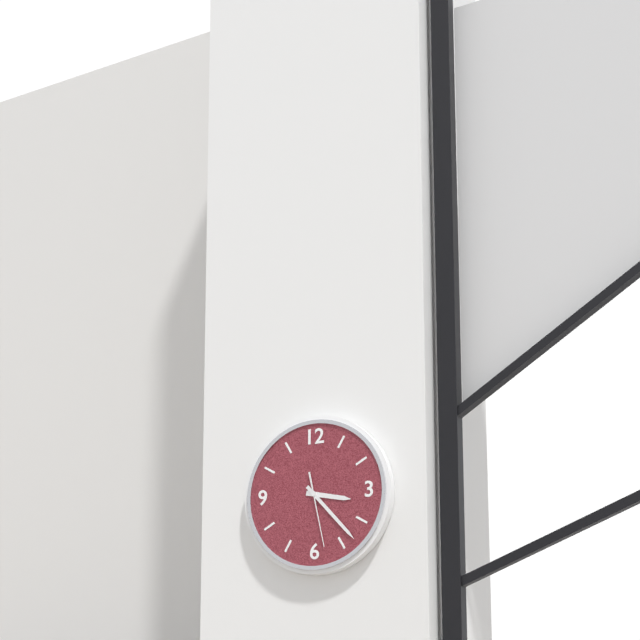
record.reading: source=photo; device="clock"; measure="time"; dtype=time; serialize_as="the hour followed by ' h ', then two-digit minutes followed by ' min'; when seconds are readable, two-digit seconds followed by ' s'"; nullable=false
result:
3 h 23 min 28 s
